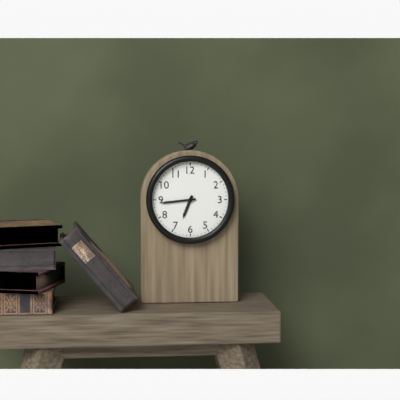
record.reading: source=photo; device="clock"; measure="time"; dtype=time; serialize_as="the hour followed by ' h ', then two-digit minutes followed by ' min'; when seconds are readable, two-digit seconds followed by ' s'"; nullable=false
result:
6 h 44 min
